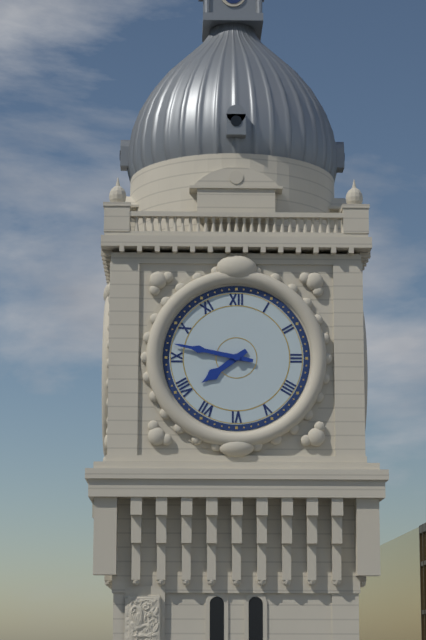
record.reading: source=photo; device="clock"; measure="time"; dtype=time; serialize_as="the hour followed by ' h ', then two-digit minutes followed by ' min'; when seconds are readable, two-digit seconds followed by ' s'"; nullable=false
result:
7 h 47 min
